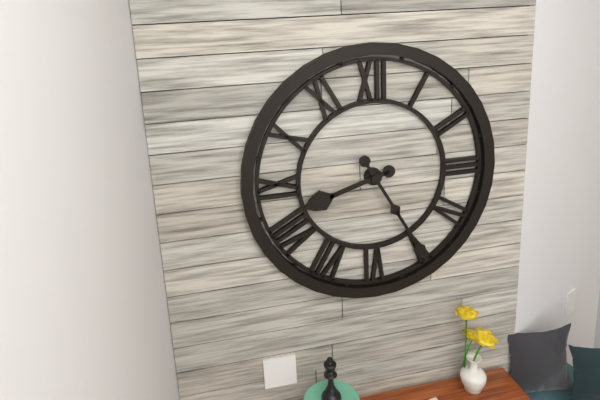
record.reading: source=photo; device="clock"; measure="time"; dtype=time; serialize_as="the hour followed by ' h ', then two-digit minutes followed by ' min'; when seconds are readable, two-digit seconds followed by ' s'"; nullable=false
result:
8 h 25 min
